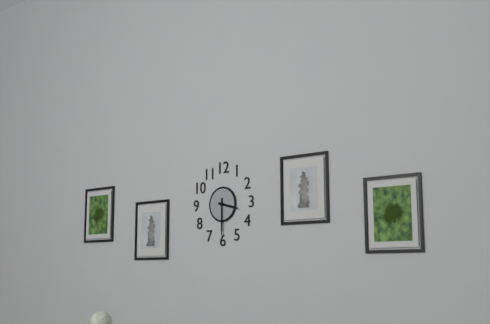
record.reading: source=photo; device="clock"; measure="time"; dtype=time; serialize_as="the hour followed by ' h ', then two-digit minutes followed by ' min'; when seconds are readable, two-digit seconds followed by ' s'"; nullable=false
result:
3 h 30 min
